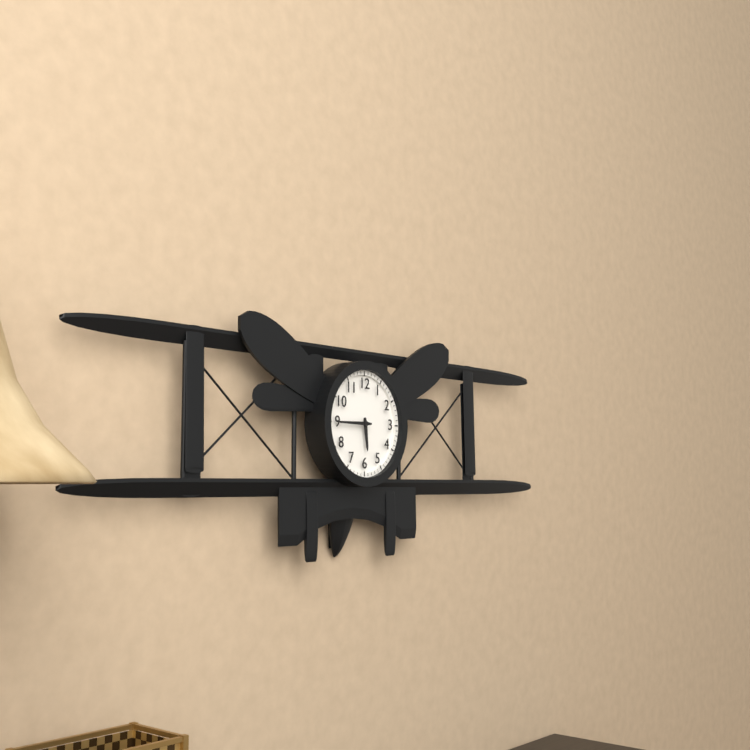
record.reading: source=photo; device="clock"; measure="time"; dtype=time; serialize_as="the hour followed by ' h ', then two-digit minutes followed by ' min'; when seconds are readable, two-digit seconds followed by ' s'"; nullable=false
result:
5 h 45 min
